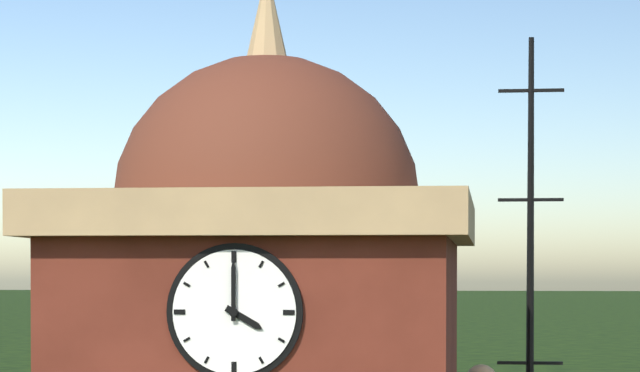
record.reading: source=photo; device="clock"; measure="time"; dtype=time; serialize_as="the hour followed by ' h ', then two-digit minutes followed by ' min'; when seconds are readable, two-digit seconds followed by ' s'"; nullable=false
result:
4 h 00 min
